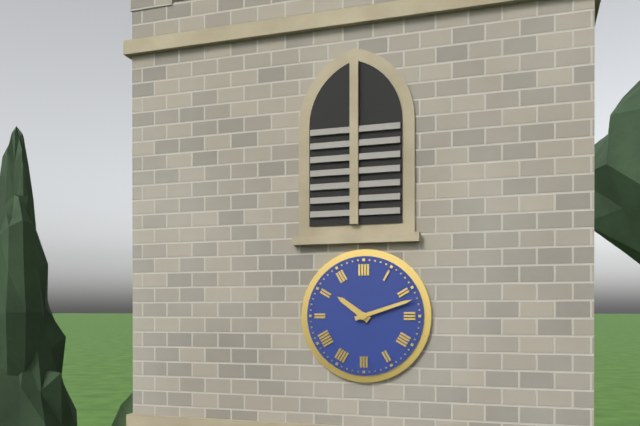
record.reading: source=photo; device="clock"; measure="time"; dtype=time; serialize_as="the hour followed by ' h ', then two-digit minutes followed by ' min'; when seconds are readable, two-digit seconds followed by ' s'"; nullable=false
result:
10 h 12 min
